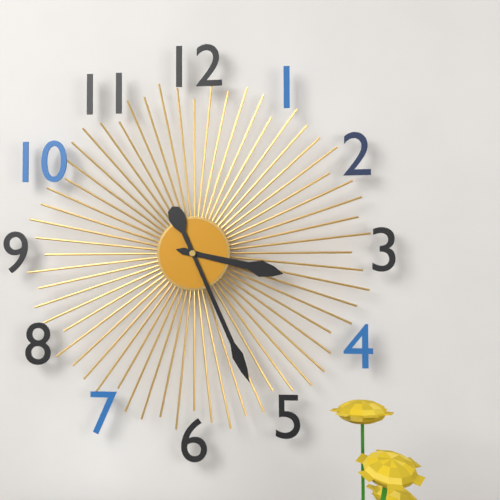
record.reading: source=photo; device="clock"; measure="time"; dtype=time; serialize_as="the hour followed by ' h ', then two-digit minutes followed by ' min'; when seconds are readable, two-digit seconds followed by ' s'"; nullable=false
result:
3 h 26 min
